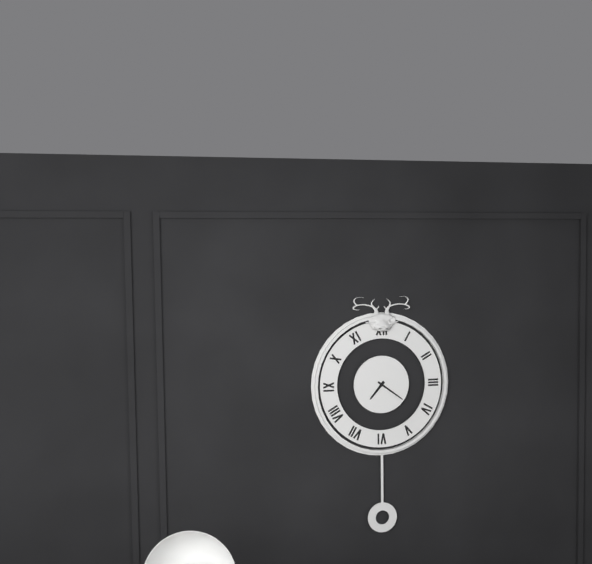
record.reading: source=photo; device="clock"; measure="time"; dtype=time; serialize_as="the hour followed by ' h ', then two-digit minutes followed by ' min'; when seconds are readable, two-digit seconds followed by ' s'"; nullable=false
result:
7 h 21 min
